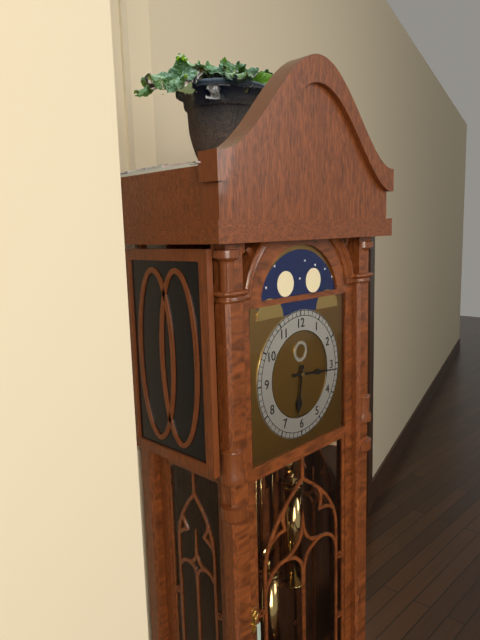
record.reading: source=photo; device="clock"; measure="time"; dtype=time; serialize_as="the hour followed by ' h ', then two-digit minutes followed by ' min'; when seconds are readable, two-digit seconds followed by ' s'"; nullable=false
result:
6 h 16 min
